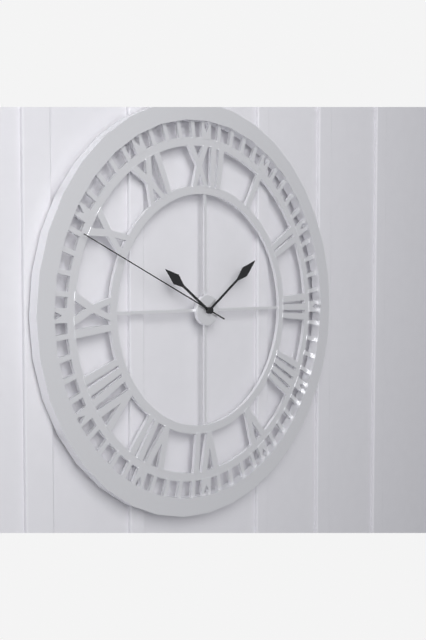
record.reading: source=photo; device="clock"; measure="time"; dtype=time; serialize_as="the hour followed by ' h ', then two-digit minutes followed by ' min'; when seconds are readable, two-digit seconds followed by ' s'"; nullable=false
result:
10 h 09 min 49 s
